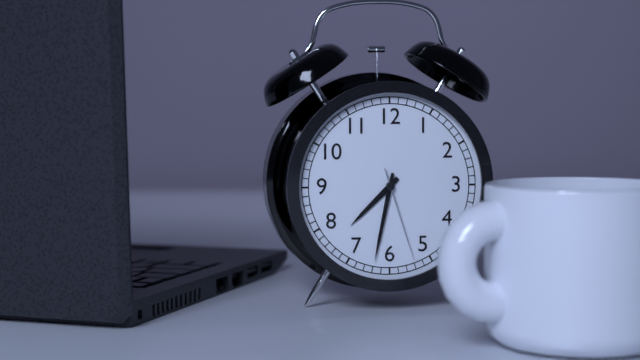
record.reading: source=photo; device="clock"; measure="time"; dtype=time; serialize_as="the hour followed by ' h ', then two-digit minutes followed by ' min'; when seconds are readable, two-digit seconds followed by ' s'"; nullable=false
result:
7 h 32 min 27 s
